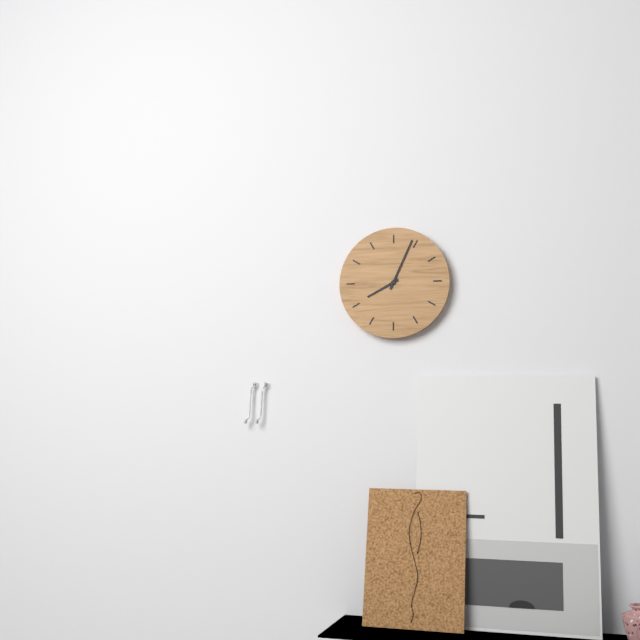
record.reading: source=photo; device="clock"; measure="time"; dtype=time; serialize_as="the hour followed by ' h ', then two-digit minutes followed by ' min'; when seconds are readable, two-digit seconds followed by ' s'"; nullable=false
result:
8 h 04 min
